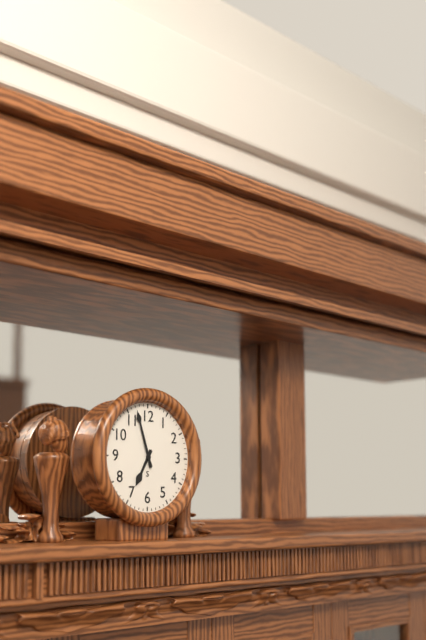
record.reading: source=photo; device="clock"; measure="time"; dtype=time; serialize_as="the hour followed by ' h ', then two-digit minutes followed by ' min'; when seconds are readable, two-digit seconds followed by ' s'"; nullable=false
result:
6 h 57 min
